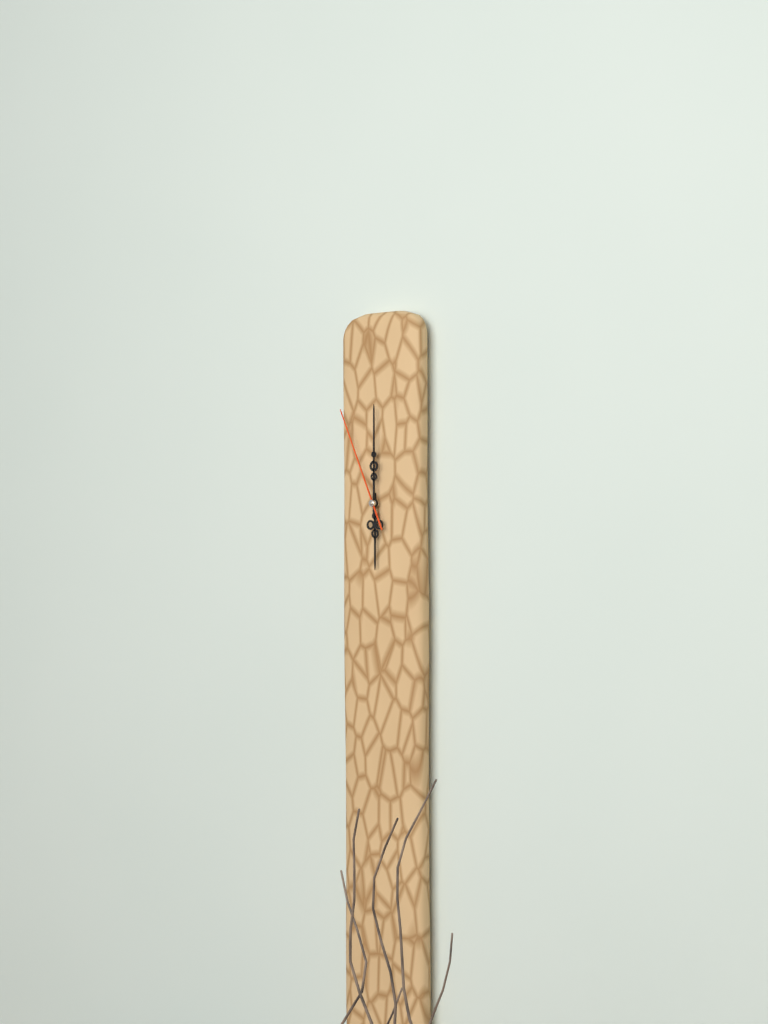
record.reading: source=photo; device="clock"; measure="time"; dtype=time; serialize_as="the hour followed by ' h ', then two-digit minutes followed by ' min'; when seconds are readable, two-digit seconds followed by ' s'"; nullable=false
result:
6 h 00 min 56 s
